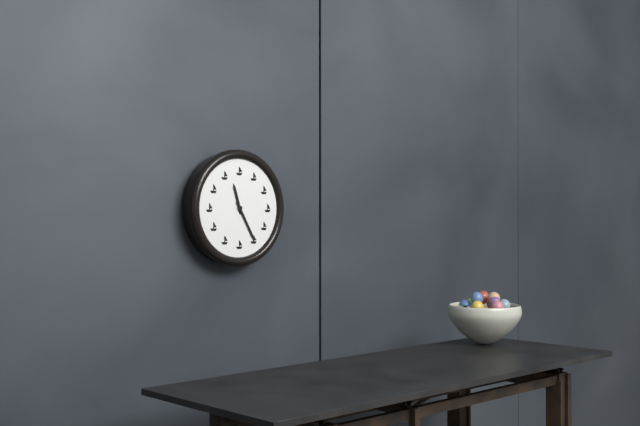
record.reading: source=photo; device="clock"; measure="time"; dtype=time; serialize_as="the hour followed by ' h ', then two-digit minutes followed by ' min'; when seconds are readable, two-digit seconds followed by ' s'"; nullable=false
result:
11 h 25 min
